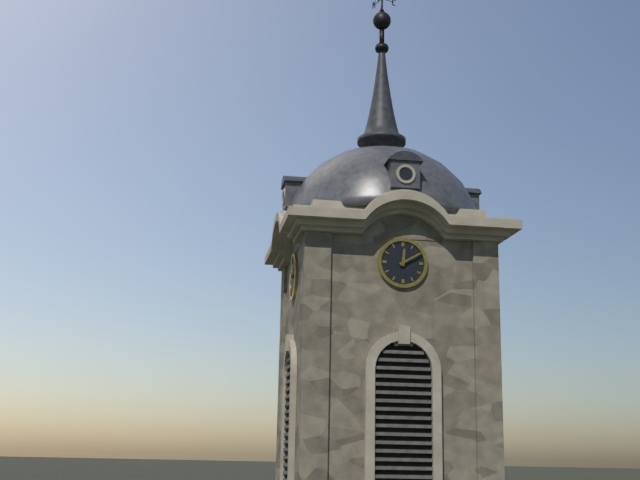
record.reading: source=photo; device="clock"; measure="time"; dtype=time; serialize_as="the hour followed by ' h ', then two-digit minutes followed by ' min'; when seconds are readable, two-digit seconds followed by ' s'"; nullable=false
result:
12 h 10 min
